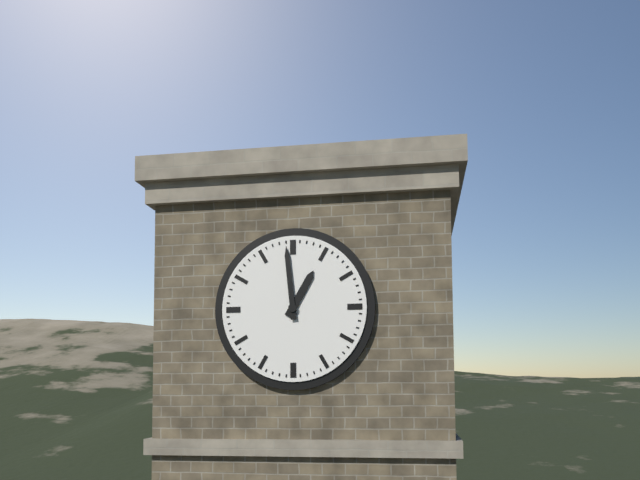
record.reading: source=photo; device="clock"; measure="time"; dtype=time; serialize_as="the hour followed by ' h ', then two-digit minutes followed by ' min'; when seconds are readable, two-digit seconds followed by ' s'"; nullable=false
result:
12 h 59 min
